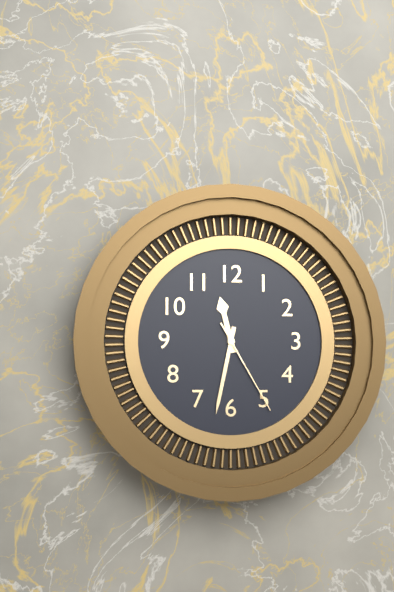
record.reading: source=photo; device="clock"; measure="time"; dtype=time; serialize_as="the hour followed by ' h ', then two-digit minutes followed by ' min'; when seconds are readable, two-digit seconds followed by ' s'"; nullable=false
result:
11 h 32 min 25 s
